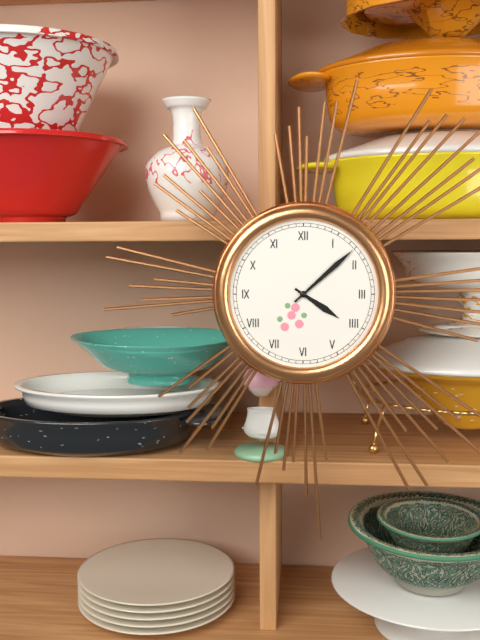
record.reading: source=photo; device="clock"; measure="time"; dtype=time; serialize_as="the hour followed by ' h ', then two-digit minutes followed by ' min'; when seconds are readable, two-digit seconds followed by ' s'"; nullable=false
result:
4 h 08 min
